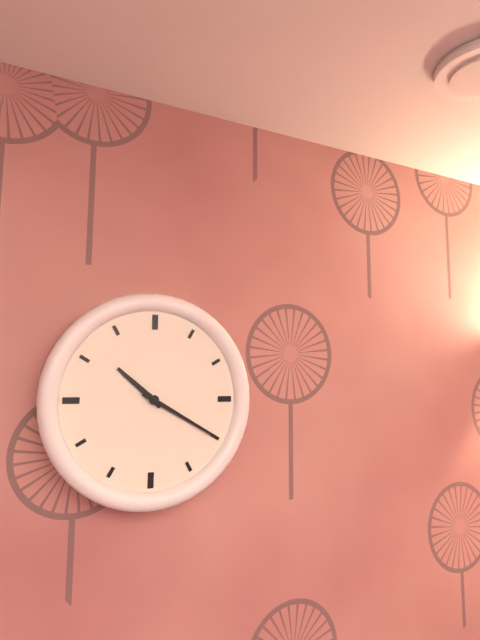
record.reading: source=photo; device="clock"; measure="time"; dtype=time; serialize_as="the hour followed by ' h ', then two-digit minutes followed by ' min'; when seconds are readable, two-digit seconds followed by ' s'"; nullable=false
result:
10 h 20 min
